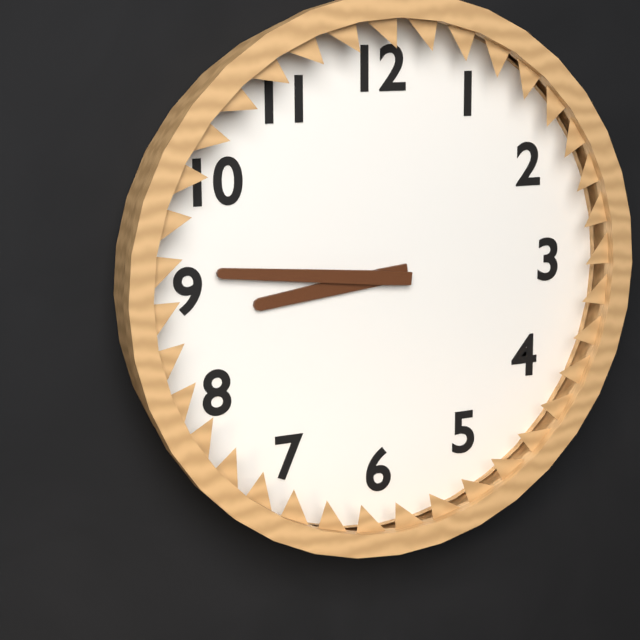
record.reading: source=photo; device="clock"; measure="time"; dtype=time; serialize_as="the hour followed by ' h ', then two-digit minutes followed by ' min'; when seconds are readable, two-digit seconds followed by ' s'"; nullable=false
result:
8 h 46 min
